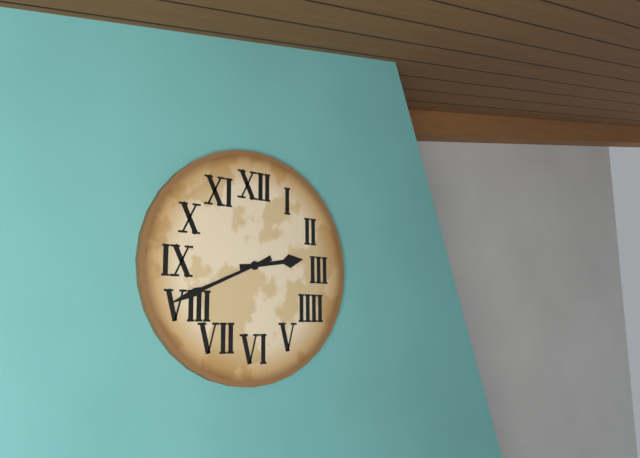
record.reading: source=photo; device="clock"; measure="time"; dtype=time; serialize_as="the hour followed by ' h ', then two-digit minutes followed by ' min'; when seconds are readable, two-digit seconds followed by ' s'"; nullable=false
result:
2 h 41 min
